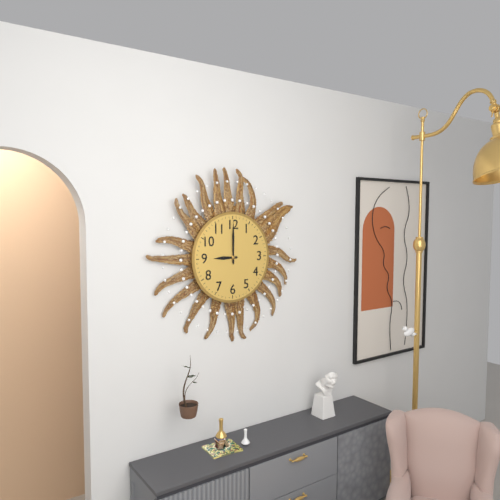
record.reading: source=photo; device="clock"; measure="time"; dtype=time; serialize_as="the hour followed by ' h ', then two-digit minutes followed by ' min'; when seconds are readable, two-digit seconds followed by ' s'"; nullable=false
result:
9 h 00 min
